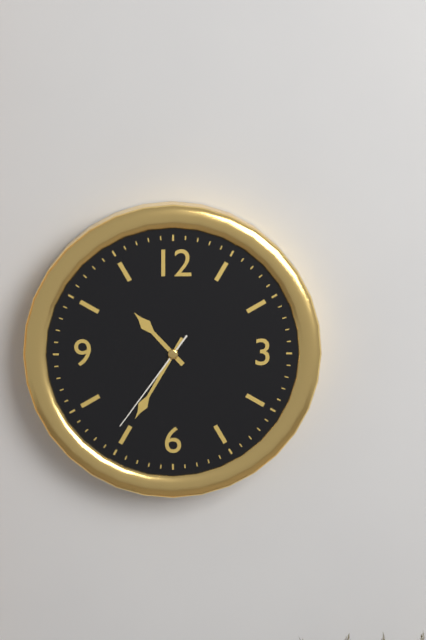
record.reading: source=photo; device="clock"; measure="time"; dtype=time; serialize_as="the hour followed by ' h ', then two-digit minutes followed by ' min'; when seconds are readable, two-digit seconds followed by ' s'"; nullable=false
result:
10 h 35 min 36 s
